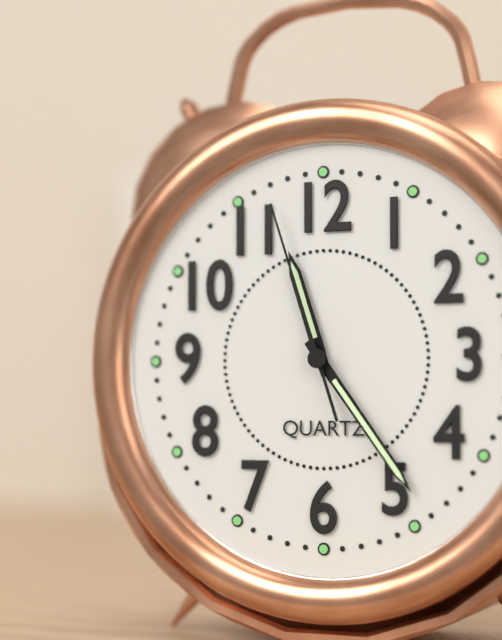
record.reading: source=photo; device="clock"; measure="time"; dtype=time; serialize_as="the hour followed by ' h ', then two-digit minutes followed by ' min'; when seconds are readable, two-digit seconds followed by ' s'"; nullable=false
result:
11 h 24 min 57 s
